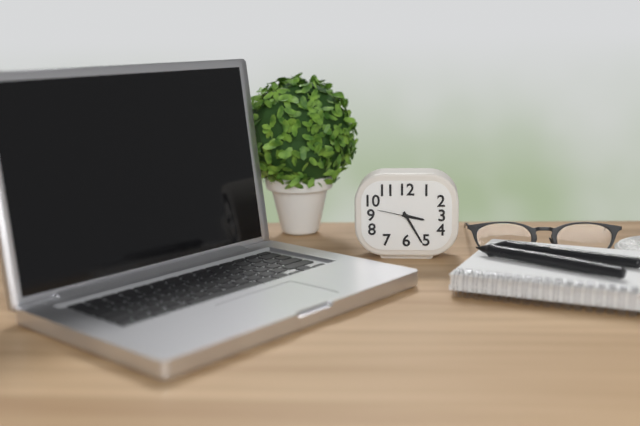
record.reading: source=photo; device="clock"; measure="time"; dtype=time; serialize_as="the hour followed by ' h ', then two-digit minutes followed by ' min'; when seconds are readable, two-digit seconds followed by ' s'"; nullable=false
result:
3 h 25 min
